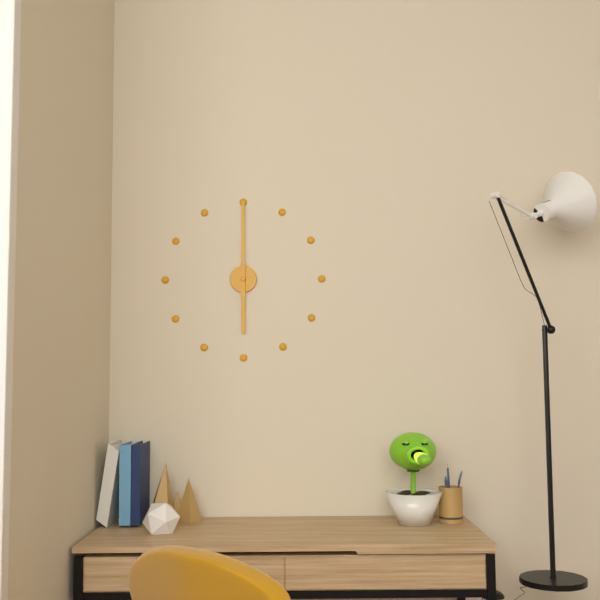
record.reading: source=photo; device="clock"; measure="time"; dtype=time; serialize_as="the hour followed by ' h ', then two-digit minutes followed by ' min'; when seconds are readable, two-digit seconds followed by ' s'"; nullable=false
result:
6 h 00 min
